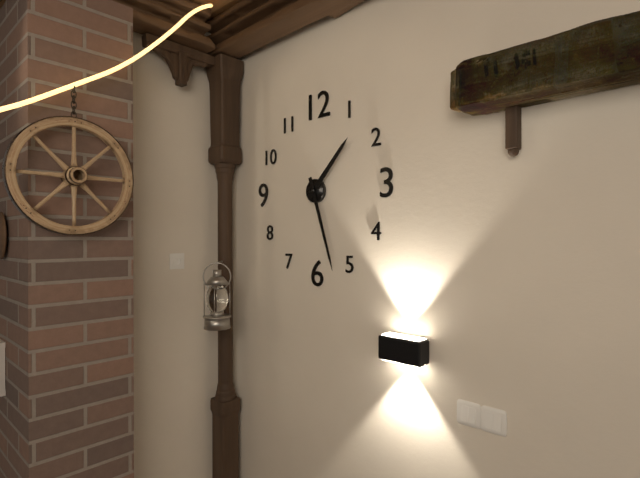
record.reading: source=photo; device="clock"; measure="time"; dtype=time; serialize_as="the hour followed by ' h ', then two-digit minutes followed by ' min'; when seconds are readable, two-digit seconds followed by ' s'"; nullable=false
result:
1 h 27 min
